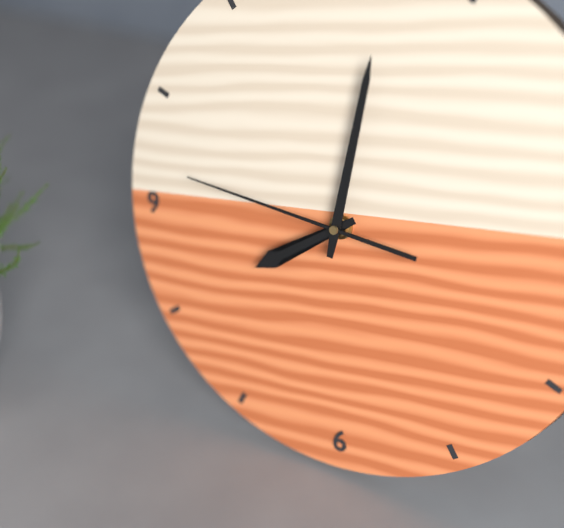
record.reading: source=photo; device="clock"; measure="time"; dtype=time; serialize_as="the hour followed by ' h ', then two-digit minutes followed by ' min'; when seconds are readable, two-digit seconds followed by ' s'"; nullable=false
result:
8 h 02 min 47 s
